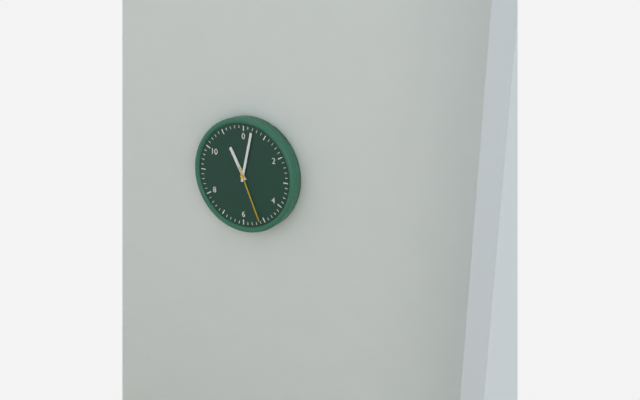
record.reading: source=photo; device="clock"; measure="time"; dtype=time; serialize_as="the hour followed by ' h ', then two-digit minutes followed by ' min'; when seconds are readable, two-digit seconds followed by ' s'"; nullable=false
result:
11 h 02 min 26 s
